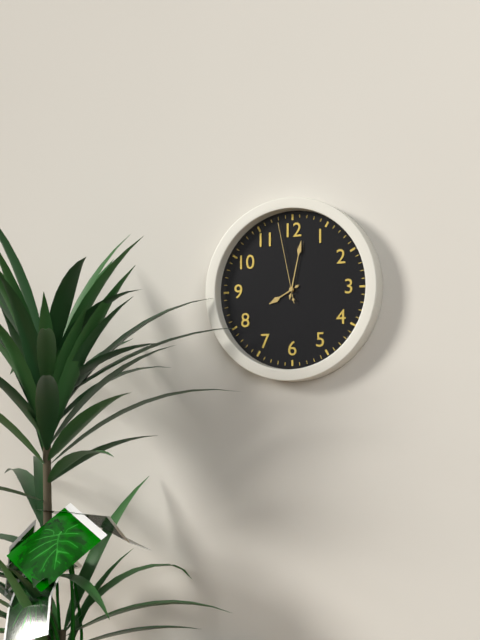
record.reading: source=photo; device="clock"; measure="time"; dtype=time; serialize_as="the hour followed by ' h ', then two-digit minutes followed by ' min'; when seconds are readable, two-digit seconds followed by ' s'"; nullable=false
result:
8 h 02 min 58 s
